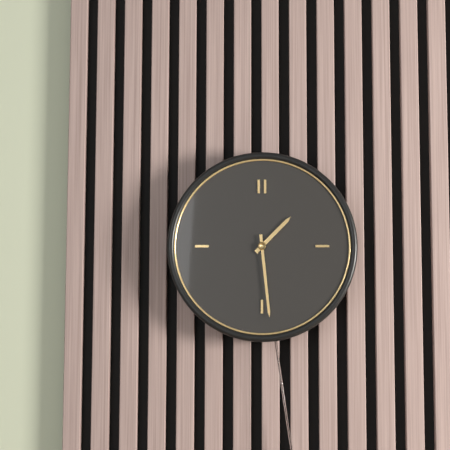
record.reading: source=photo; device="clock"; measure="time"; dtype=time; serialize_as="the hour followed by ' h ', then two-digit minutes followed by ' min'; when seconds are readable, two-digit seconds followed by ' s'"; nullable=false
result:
1 h 29 min
